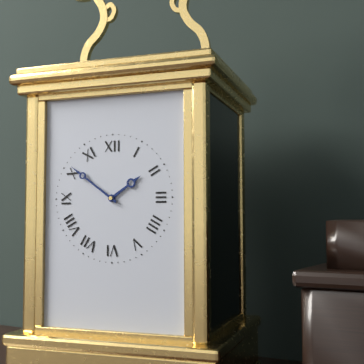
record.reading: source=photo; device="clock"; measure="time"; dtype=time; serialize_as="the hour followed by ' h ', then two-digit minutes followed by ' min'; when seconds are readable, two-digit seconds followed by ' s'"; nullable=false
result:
1 h 51 min
